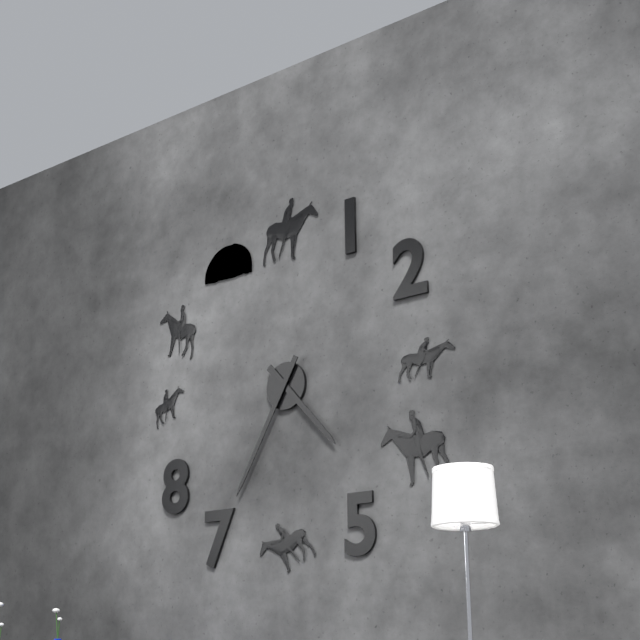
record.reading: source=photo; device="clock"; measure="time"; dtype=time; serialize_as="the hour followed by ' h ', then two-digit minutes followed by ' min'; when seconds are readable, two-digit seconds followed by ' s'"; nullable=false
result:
4 h 35 min
